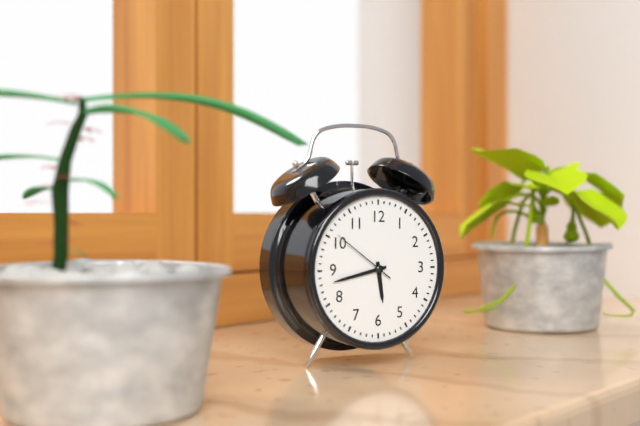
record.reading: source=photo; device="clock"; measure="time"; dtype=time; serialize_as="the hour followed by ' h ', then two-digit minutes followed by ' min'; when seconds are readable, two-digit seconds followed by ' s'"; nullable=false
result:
5 h 43 min 51 s
